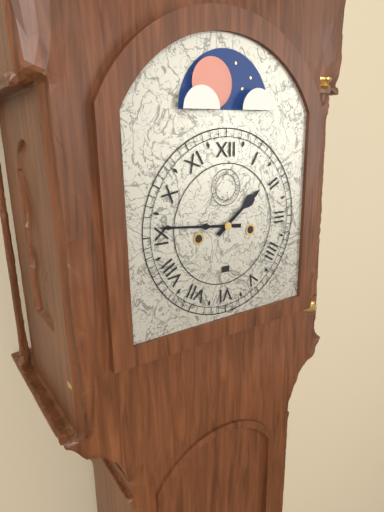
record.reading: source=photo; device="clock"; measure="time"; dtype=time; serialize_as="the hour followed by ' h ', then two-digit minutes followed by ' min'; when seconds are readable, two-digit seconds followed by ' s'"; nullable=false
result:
1 h 46 min
